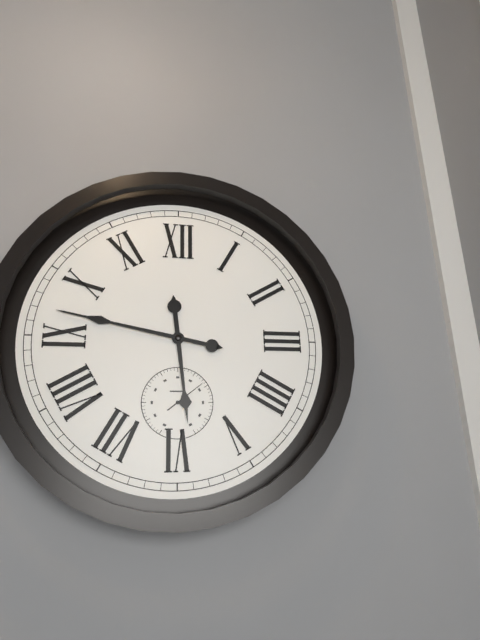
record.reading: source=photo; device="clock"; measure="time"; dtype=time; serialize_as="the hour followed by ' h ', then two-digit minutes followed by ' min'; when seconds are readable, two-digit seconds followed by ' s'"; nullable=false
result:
5 h 47 min
